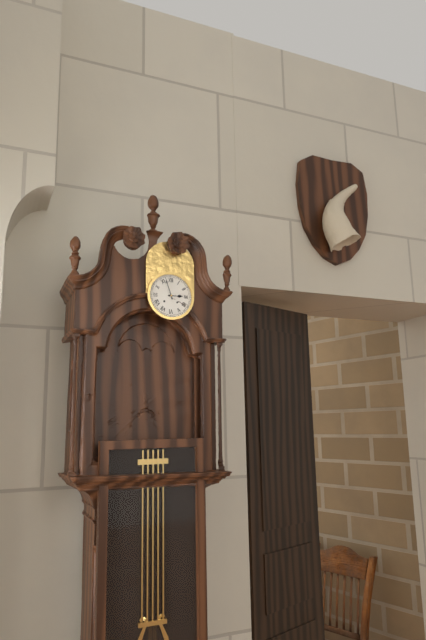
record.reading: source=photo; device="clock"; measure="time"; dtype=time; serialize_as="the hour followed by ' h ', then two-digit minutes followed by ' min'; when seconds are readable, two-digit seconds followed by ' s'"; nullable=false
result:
2 h 57 min
